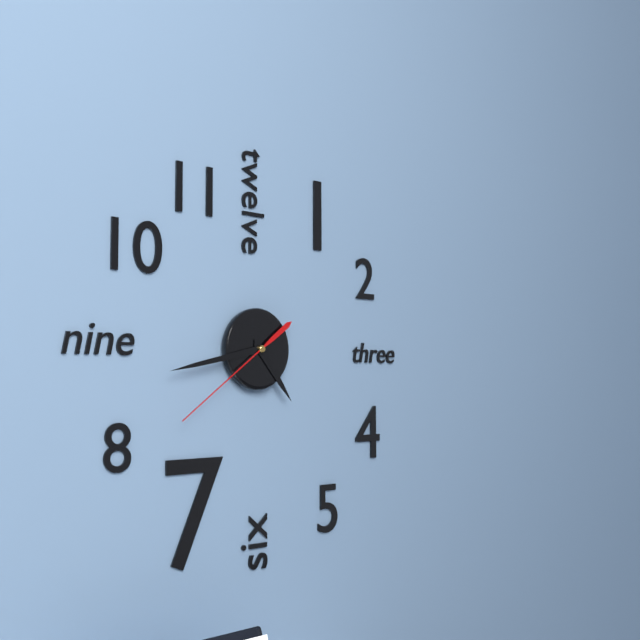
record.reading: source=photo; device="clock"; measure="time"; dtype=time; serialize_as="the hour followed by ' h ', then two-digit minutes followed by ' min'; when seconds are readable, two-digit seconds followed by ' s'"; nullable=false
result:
4 h 43 min 39 s
